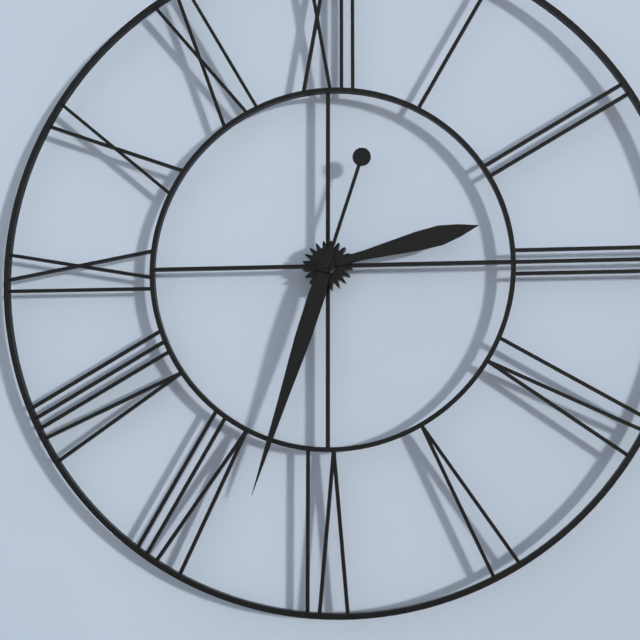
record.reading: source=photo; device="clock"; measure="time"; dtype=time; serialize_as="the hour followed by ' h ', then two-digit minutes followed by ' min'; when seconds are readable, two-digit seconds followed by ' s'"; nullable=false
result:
2 h 33 min
